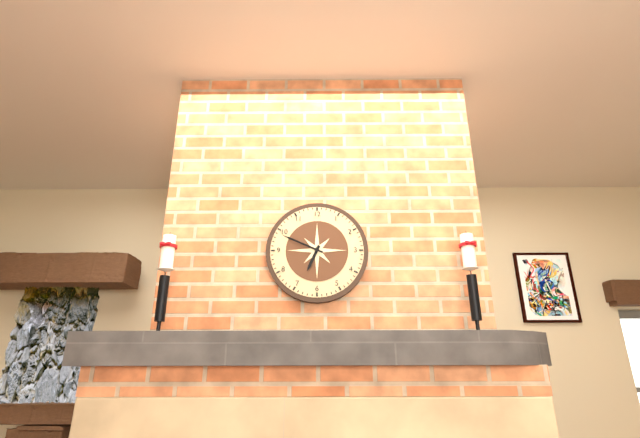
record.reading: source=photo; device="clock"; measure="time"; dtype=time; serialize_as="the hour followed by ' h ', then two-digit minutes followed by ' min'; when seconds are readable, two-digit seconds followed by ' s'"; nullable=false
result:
6 h 49 min
